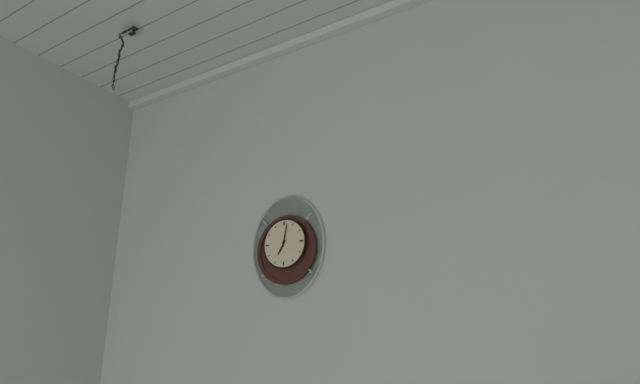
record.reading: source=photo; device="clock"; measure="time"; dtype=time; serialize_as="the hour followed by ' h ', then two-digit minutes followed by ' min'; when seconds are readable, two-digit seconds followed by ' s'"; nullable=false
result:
7 h 02 min
